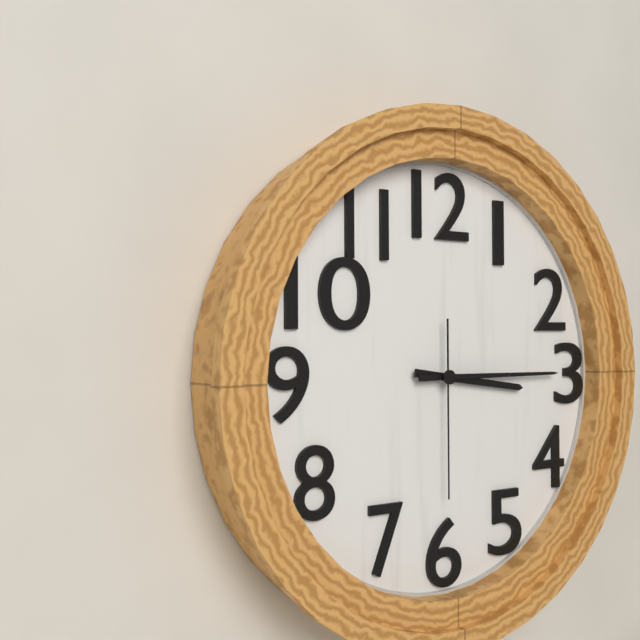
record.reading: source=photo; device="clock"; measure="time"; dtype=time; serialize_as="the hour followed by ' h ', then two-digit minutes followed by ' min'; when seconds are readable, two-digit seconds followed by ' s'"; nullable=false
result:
3 h 15 min 30 s
